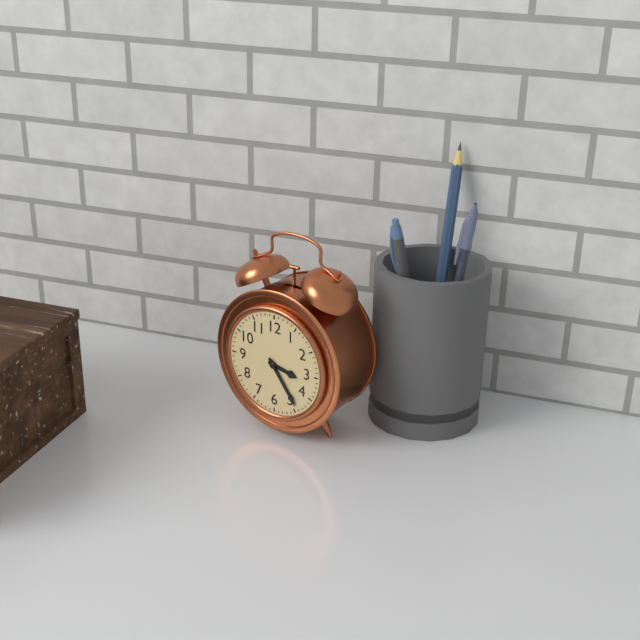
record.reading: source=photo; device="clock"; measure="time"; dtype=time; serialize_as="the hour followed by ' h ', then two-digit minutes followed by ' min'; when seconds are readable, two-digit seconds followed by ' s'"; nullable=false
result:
3 h 24 min
